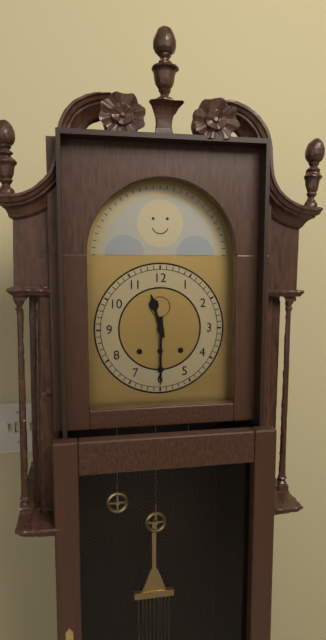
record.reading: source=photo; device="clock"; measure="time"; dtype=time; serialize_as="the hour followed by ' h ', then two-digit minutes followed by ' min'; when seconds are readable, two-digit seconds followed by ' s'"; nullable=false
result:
11 h 30 min
